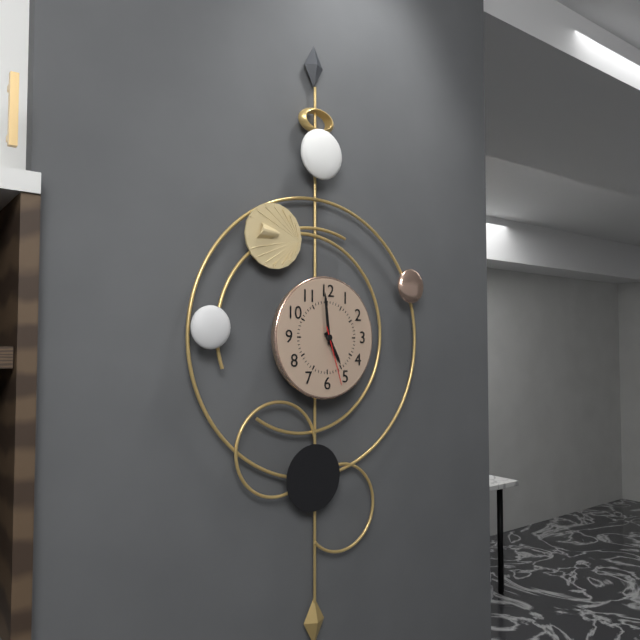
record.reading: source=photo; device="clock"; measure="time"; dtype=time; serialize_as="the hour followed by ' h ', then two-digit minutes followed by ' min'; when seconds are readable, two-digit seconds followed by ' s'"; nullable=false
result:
4 h 59 min 27 s
